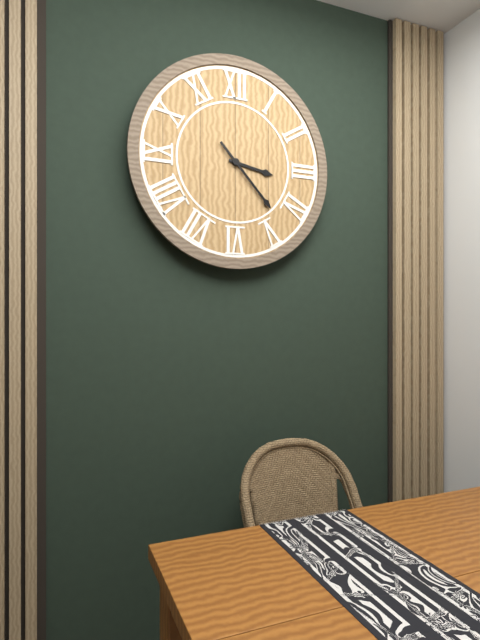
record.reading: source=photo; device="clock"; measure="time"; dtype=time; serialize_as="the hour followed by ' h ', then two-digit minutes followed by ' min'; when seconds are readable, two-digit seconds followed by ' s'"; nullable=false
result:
3 h 23 min
